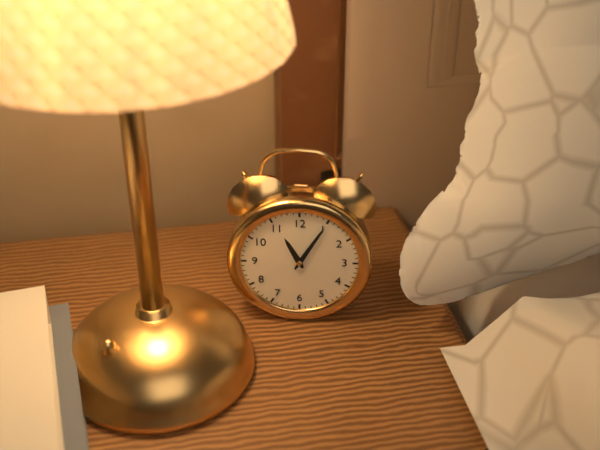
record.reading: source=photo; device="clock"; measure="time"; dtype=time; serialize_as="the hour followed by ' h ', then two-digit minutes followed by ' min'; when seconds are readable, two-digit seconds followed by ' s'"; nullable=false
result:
11 h 05 min
